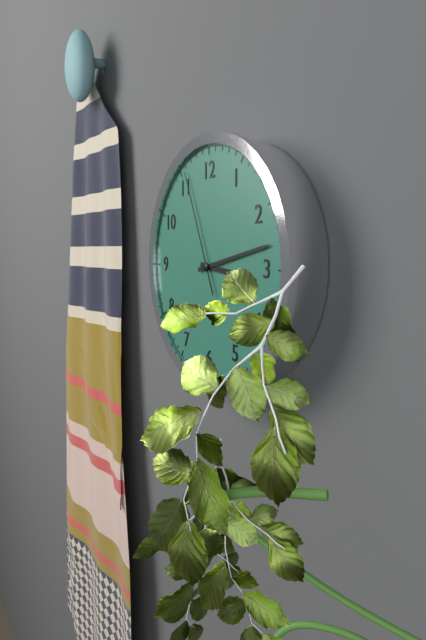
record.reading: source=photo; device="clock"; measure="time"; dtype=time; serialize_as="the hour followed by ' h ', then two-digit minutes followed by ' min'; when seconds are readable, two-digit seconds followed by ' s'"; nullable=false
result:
3 h 13 min 56 s
